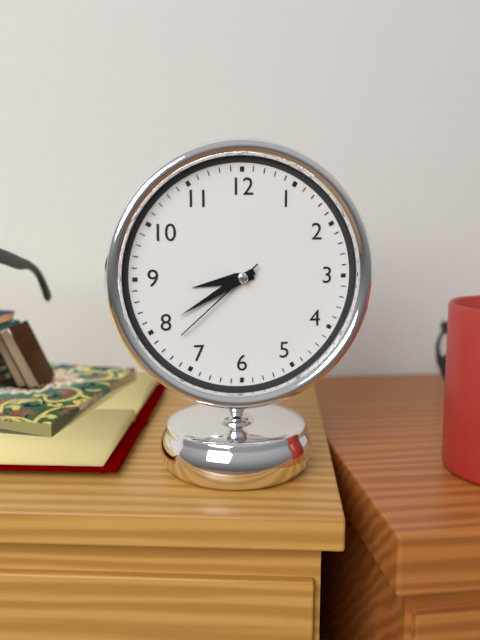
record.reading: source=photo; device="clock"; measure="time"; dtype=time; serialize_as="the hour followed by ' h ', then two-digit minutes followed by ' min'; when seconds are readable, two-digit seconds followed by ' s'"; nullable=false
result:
8 h 40 min 38 s
